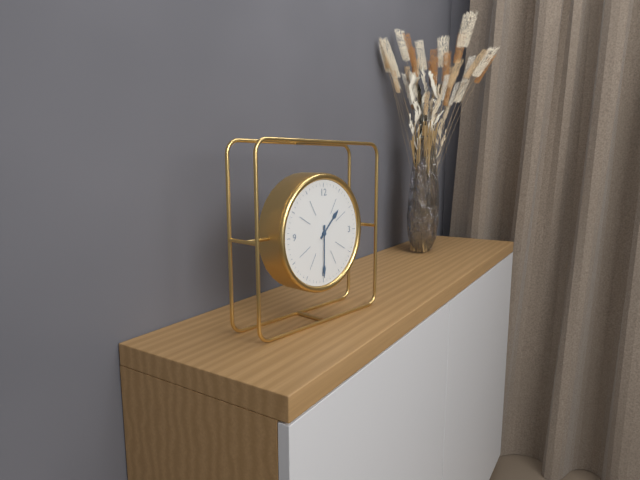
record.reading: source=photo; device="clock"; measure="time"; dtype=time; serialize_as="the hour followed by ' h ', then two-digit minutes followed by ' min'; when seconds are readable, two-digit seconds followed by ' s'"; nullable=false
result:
1 h 30 min
